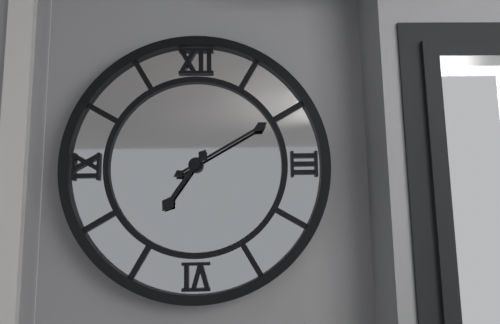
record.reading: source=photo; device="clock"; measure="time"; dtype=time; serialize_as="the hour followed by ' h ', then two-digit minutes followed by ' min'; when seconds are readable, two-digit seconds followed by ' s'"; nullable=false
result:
7 h 10 min
